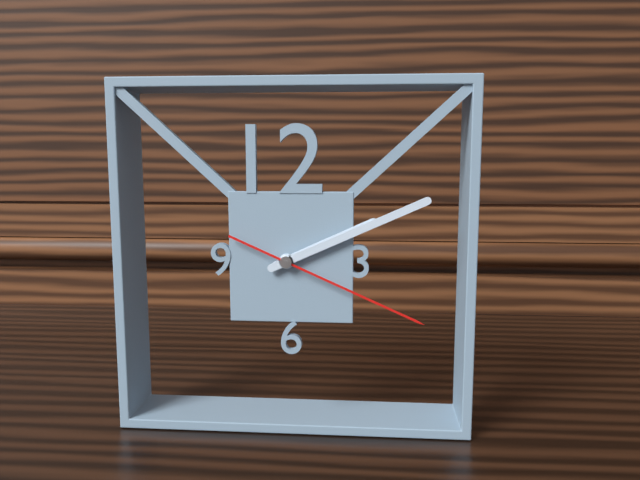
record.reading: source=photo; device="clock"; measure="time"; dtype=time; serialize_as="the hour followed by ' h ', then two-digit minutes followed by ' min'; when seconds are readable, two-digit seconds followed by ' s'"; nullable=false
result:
2 h 11 min 19 s
